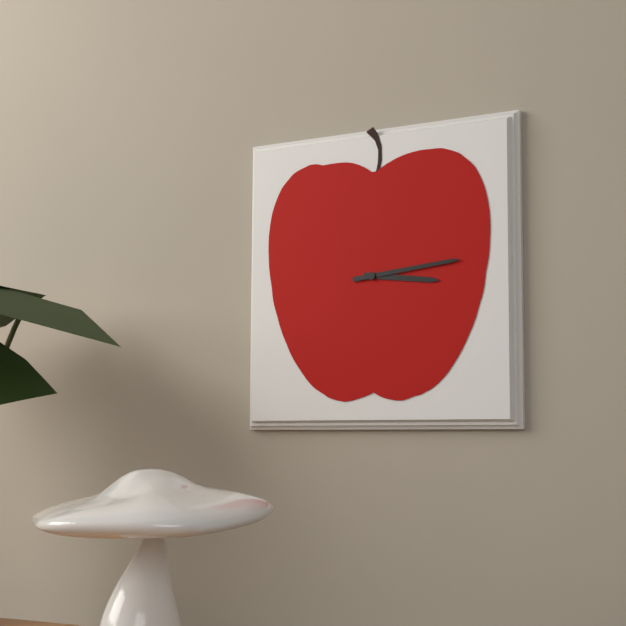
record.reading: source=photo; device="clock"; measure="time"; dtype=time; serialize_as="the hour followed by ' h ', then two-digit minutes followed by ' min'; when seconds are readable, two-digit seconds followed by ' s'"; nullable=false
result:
3 h 14 min
